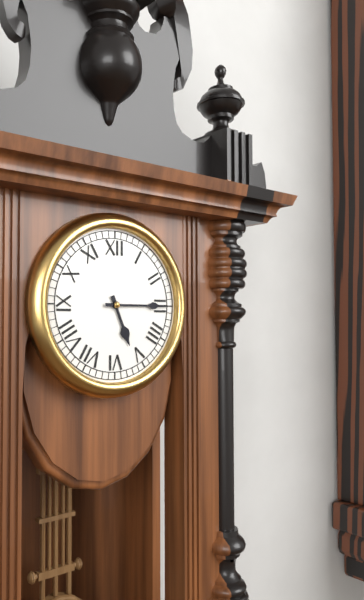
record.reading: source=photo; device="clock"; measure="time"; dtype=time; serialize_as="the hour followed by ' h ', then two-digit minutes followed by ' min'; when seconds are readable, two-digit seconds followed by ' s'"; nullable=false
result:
5 h 15 min
